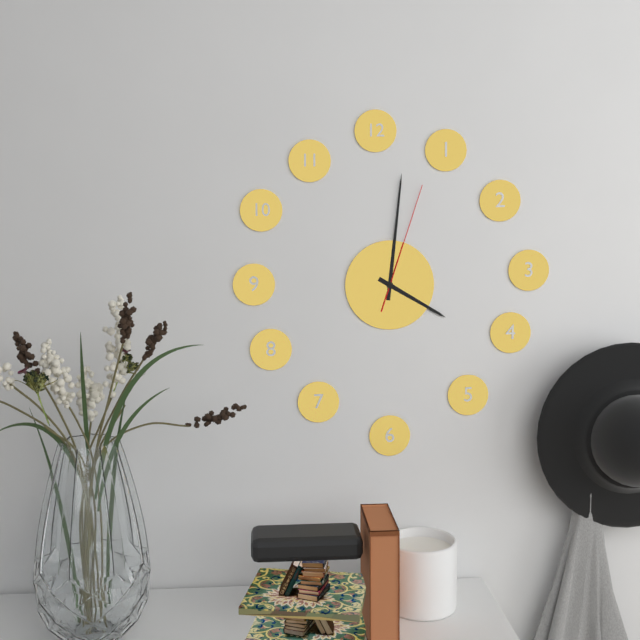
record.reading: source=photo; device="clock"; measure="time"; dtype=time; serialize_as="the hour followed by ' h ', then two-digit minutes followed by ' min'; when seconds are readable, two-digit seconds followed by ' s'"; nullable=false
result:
4 h 01 min 03 s
